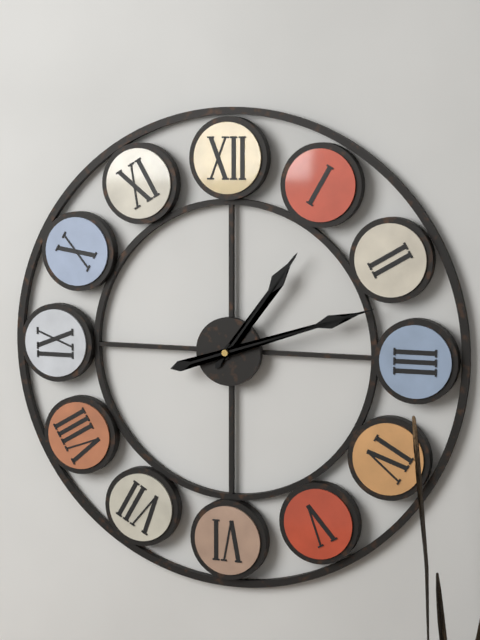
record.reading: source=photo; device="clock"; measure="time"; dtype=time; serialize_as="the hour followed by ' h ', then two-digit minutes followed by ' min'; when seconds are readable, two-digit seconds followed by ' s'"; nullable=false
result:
1 h 12 min
